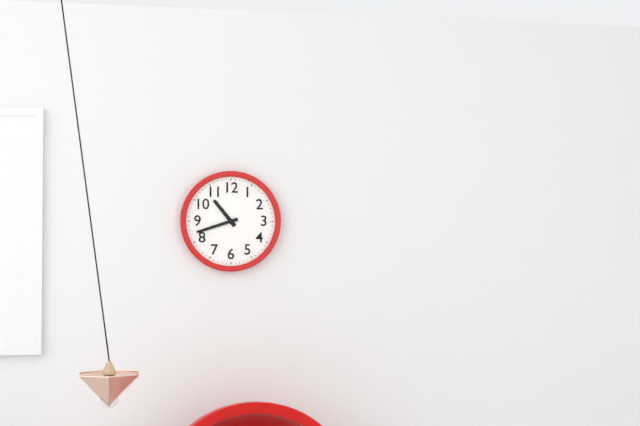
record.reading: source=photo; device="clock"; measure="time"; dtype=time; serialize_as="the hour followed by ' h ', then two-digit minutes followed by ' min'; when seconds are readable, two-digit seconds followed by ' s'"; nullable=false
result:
10 h 42 min
